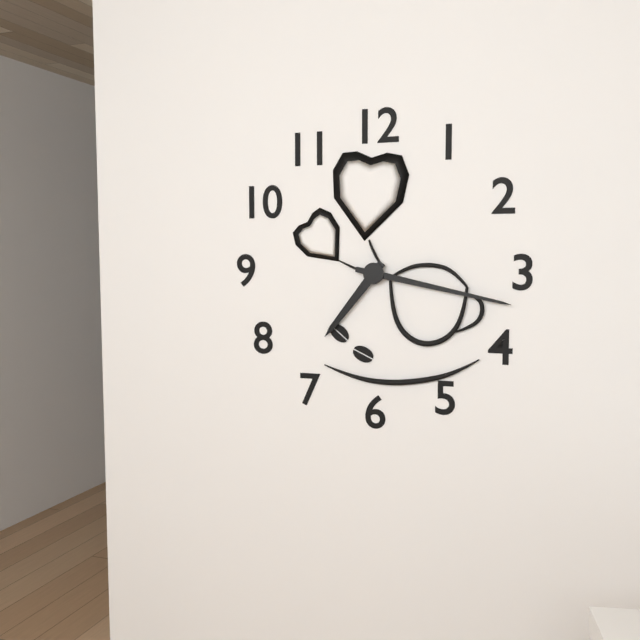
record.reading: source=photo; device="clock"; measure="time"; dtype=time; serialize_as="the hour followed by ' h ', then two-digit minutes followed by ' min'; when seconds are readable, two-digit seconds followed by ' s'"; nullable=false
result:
7 h 17 min
